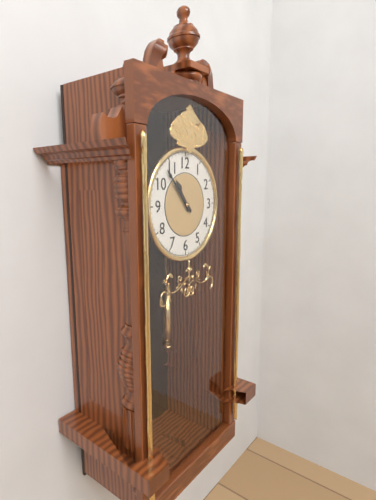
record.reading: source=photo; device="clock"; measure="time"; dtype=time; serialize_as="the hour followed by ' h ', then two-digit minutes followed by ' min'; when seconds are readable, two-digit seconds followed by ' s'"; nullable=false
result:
10 h 53 min
